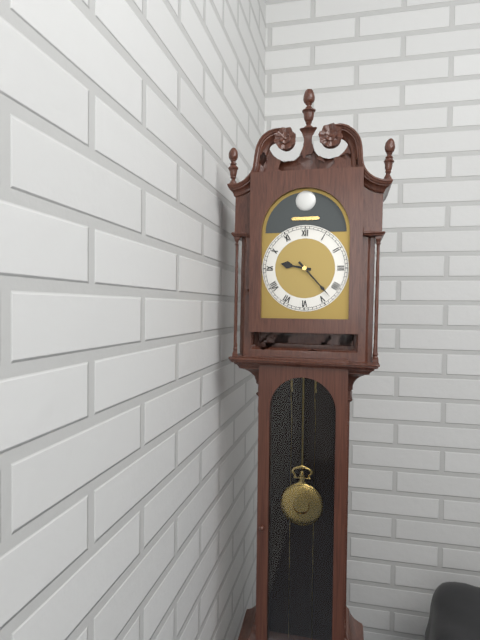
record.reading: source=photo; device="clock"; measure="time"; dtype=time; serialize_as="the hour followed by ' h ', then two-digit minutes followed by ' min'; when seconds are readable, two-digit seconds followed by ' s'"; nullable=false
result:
9 h 23 min
